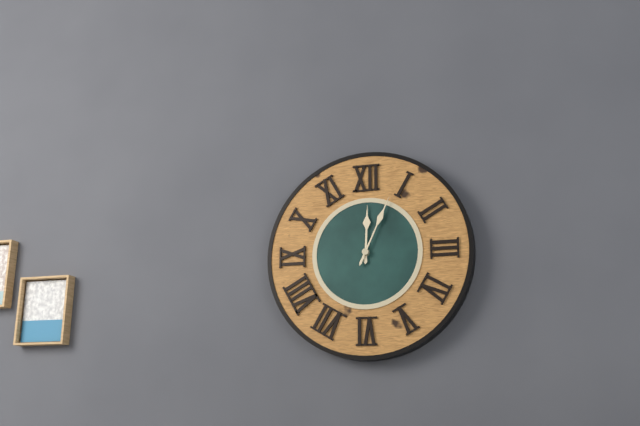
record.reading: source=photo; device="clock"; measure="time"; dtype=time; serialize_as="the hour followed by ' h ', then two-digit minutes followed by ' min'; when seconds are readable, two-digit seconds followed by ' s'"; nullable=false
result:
12 h 04 min
